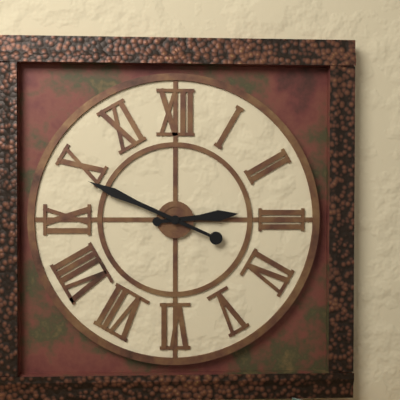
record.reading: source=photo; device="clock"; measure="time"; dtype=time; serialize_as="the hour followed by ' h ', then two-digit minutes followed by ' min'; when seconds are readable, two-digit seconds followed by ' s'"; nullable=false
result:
2 h 49 min
